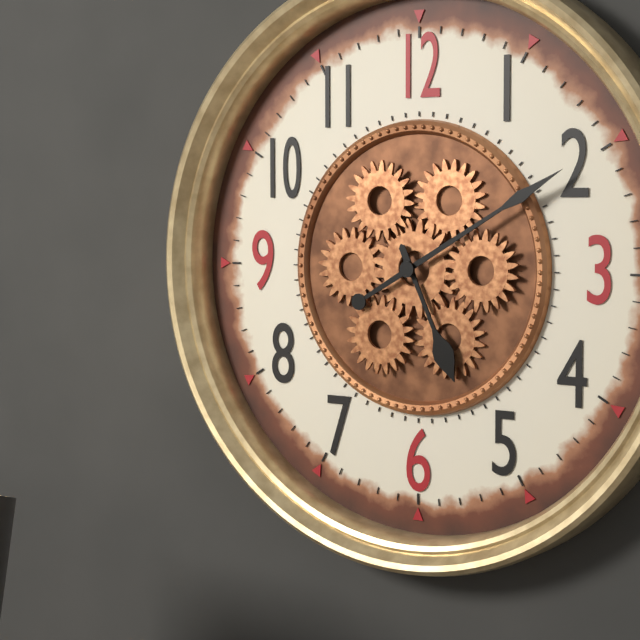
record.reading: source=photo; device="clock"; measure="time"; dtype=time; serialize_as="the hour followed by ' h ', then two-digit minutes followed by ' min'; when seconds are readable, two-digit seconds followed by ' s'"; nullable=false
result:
5 h 10 min
